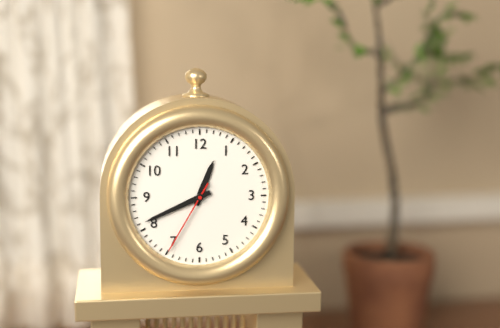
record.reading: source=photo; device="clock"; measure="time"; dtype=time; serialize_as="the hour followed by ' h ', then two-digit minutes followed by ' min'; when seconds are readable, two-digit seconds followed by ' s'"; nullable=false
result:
12 h 41 min 35 s
